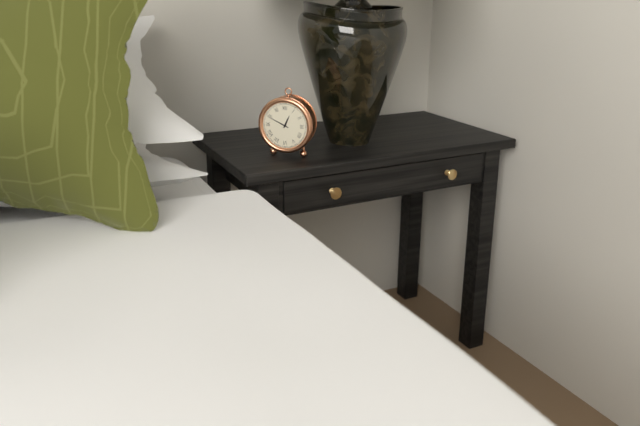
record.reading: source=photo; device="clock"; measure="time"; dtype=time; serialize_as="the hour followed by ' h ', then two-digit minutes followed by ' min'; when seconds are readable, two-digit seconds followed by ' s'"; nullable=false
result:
12 h 49 min
